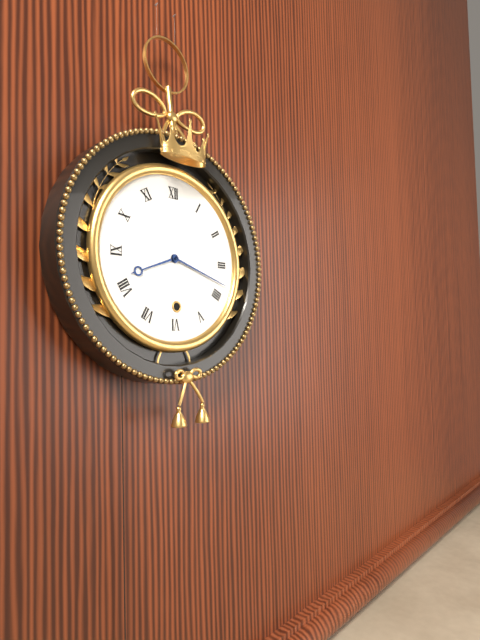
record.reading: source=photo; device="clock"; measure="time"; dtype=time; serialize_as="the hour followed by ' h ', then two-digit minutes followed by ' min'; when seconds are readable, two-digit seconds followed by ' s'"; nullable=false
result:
8 h 18 min
